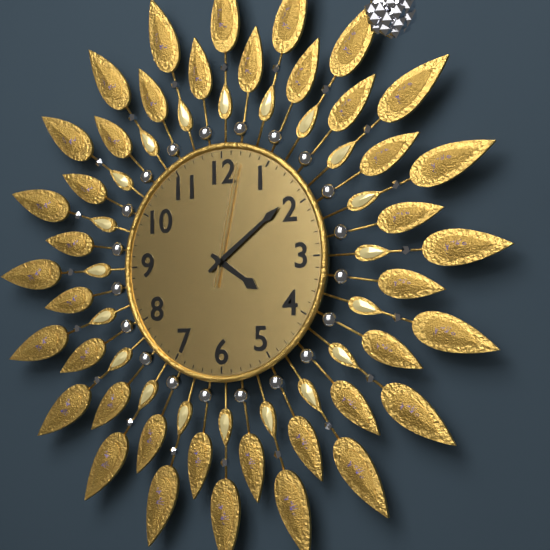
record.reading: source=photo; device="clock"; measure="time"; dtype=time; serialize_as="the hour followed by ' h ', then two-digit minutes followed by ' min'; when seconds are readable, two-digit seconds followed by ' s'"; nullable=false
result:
4 h 09 min 02 s
